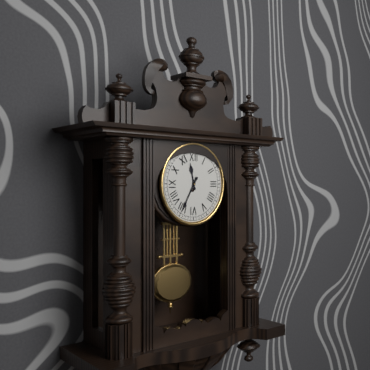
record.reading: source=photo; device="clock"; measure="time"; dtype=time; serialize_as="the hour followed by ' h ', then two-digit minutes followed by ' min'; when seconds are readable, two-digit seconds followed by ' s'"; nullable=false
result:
11 h 35 min
